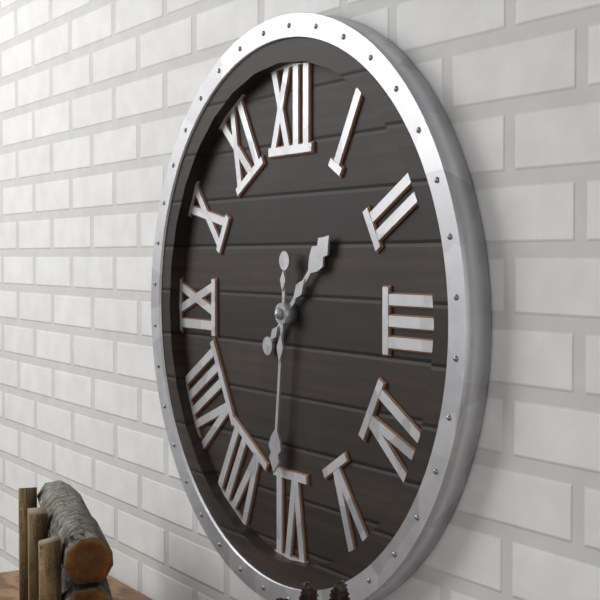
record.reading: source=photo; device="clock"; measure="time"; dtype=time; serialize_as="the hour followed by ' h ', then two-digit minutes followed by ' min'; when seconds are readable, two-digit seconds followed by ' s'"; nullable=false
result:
1 h 31 min
